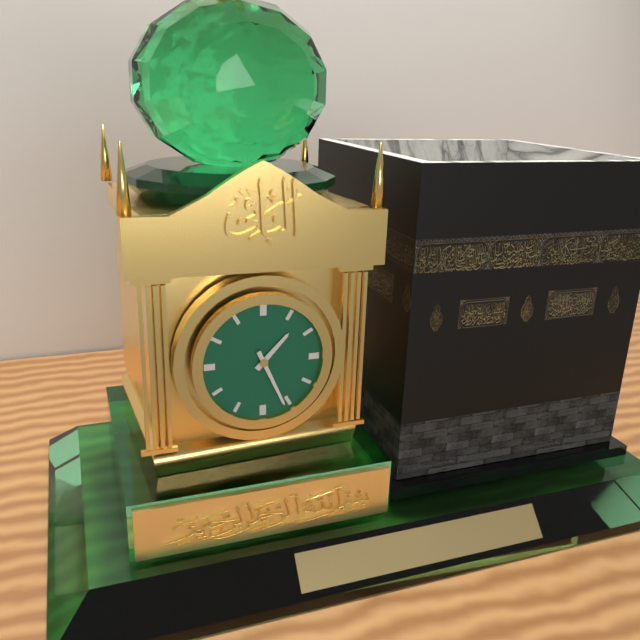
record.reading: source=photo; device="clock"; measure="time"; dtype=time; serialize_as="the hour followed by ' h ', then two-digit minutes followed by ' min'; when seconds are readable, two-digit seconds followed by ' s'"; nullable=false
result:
1 h 26 min
